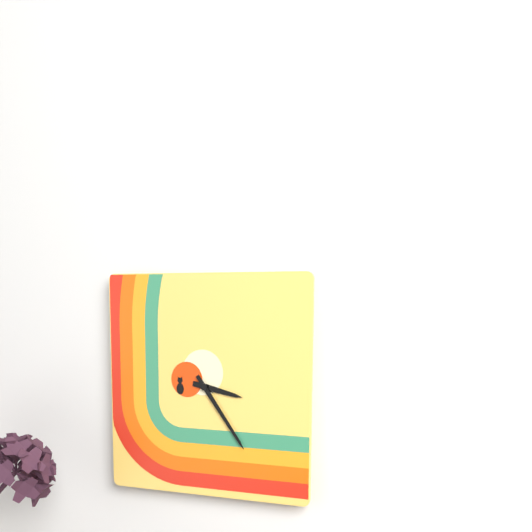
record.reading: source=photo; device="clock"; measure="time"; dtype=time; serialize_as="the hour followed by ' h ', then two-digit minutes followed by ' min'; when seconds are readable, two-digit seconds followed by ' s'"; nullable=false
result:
3 h 24 min
